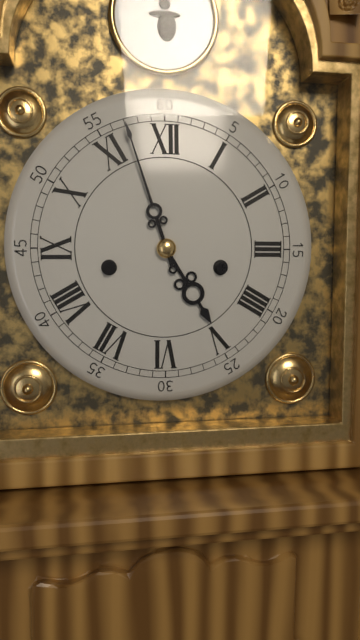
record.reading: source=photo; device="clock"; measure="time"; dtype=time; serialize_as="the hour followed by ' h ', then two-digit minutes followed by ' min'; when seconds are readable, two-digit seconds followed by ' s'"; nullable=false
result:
4 h 57 min
